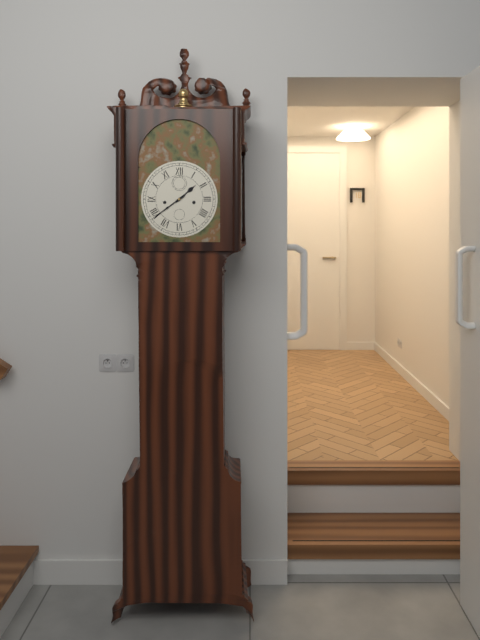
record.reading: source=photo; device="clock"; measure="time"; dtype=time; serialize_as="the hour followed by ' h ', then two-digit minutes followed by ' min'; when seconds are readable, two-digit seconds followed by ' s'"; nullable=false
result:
1 h 39 min
